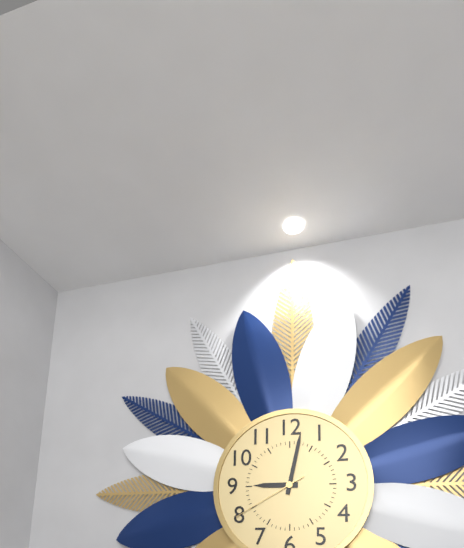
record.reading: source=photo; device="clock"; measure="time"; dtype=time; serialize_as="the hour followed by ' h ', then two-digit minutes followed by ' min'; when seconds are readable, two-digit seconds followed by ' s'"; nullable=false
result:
9 h 02 min 40 s
